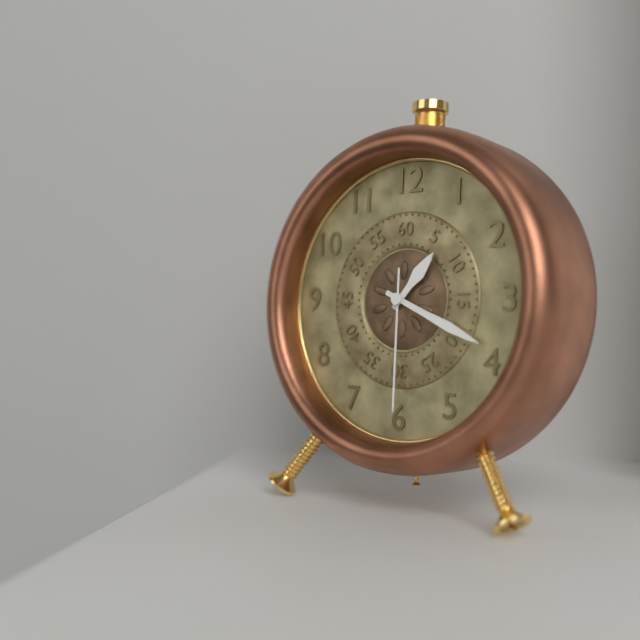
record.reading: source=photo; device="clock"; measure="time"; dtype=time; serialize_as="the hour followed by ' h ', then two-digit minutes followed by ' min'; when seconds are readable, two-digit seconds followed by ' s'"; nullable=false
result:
1 h 19 min 30 s
